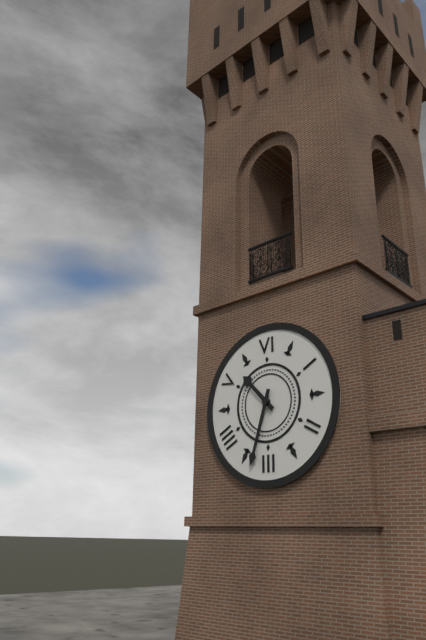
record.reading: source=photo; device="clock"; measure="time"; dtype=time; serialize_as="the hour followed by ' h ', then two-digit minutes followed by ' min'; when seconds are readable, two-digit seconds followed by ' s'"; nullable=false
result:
10 h 33 min
